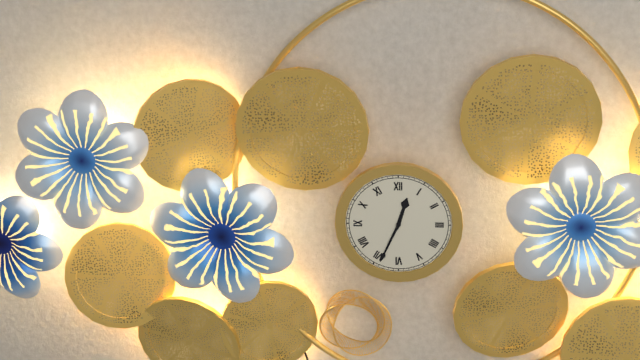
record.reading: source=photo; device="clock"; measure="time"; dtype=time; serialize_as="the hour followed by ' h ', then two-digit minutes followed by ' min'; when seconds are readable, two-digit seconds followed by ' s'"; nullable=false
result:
12 h 34 min
